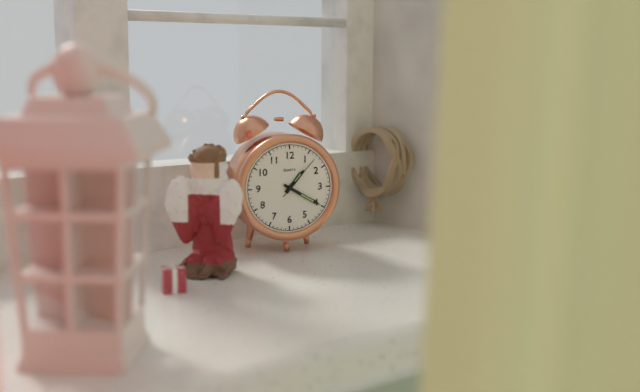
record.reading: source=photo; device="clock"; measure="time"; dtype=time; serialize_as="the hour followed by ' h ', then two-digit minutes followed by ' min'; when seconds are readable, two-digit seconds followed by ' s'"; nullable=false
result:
1 h 20 min 07 s
